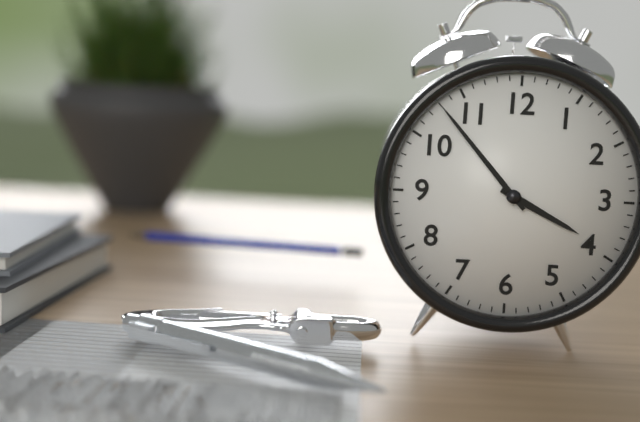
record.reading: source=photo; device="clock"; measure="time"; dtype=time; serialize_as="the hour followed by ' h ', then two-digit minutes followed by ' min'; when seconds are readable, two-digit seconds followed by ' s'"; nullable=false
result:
3 h 53 min
